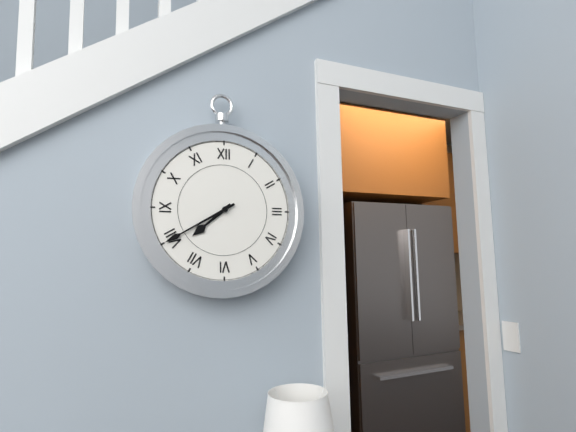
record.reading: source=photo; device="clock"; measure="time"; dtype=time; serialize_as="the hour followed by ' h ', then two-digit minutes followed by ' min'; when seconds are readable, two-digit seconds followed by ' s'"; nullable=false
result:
7 h 40 min
